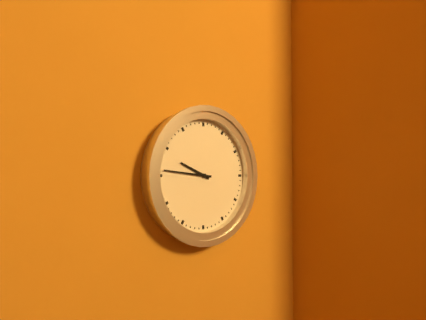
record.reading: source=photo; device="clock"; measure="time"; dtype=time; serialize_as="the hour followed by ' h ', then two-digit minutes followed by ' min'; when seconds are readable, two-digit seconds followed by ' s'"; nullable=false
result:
9 h 46 min
